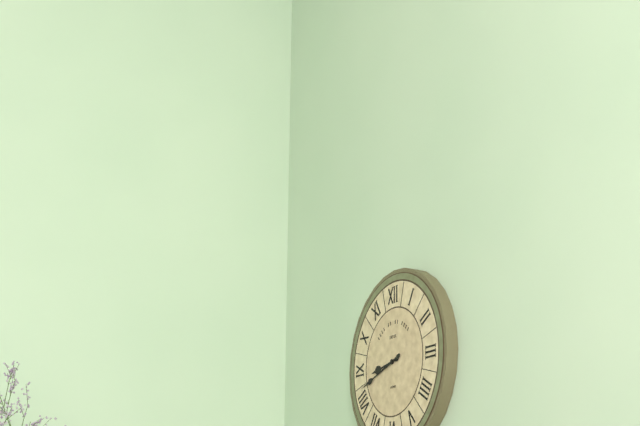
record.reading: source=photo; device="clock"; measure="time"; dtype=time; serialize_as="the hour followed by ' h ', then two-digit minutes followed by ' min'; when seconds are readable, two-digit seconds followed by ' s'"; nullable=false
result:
8 h 42 min
